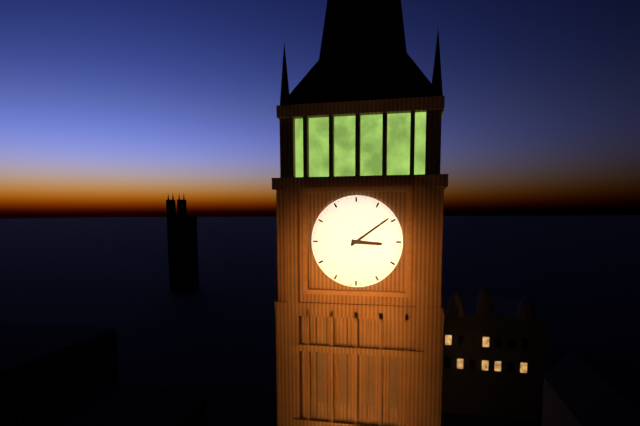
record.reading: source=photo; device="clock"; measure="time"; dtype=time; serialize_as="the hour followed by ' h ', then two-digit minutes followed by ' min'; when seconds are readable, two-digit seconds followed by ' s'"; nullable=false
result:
3 h 09 min
